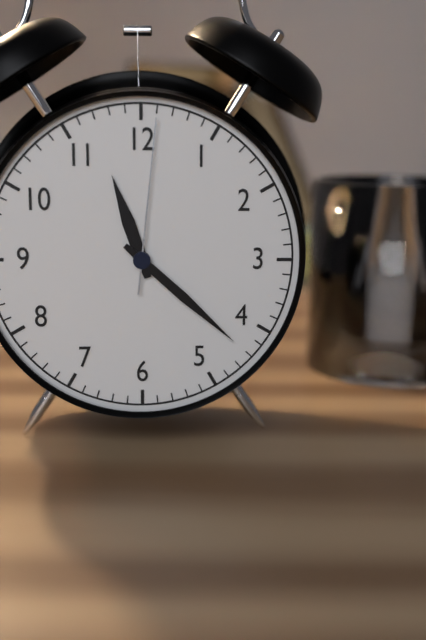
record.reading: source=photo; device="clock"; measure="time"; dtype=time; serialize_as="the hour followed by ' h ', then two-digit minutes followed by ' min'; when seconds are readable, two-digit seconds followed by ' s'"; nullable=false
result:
11 h 22 min 01 s
